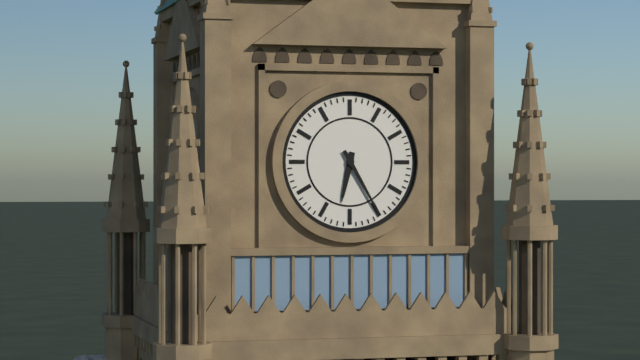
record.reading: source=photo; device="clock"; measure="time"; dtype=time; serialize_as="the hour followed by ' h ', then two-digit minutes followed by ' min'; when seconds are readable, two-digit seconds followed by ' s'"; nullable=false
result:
6 h 25 min
